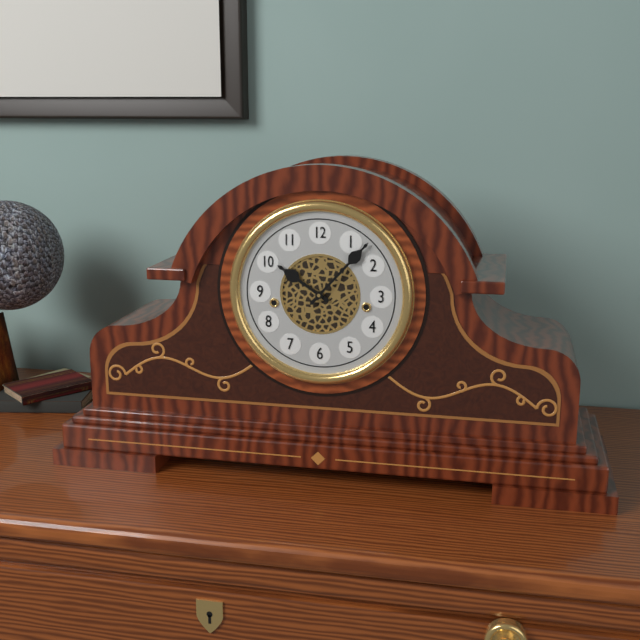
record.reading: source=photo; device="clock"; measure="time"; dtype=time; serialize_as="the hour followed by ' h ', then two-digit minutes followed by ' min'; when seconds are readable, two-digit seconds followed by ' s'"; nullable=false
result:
10 h 07 min
